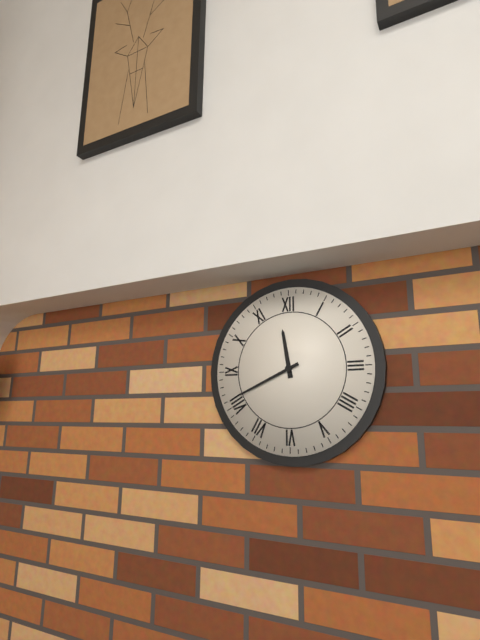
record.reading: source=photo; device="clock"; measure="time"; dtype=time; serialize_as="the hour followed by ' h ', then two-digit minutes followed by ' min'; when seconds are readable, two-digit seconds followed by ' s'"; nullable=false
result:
11 h 41 min
